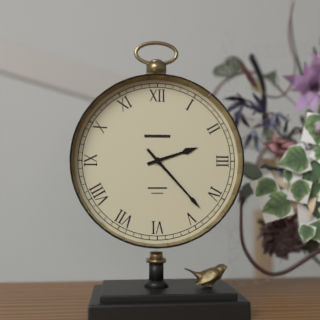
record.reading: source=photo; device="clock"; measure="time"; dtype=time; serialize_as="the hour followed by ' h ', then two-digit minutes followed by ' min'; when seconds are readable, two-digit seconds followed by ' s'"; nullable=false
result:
2 h 23 min
